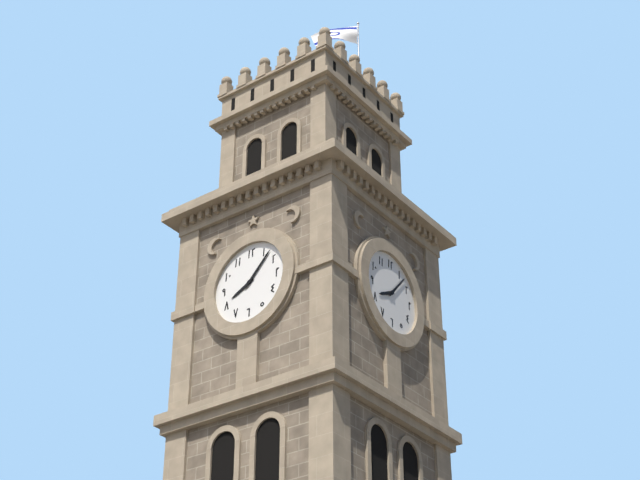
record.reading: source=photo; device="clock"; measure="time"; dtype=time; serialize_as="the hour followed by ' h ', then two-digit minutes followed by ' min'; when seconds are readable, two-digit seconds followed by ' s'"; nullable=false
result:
8 h 07 min
